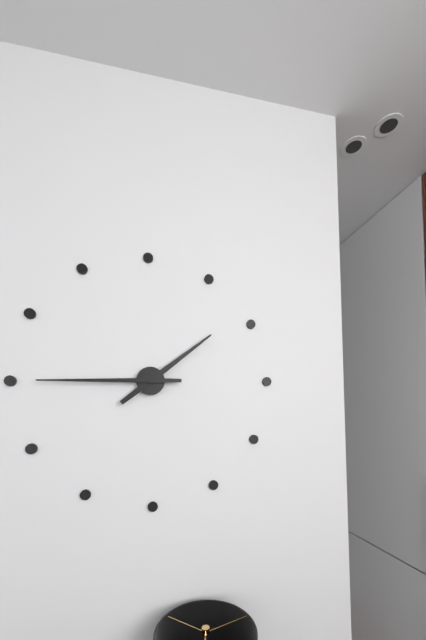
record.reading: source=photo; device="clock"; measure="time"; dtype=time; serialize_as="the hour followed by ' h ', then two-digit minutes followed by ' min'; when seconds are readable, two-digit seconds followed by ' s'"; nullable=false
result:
1 h 45 min
